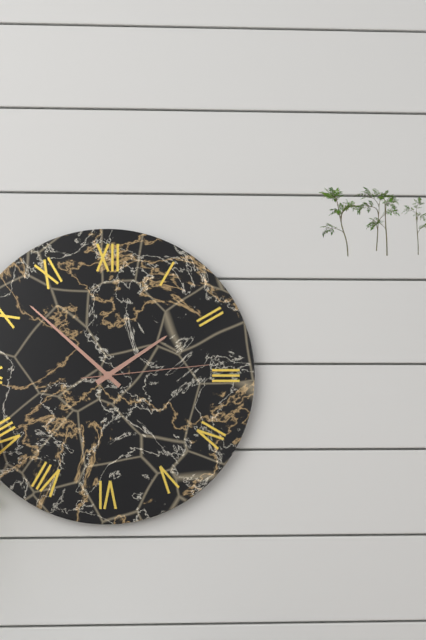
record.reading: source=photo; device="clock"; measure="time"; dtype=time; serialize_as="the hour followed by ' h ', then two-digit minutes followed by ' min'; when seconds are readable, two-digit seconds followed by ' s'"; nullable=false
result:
1 h 52 min 14 s
